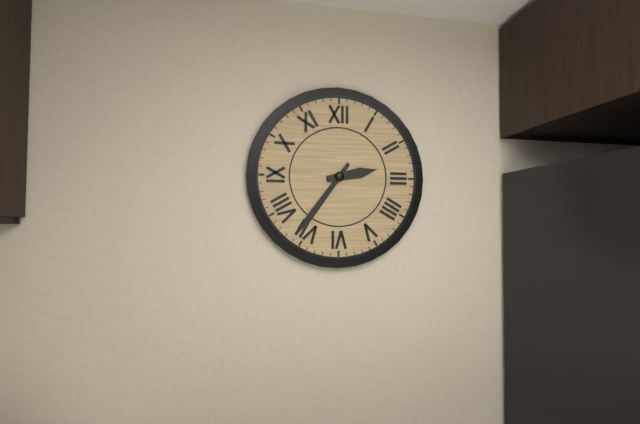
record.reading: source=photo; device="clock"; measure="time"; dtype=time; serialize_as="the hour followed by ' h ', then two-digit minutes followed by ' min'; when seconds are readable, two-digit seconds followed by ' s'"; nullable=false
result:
2 h 36 min
